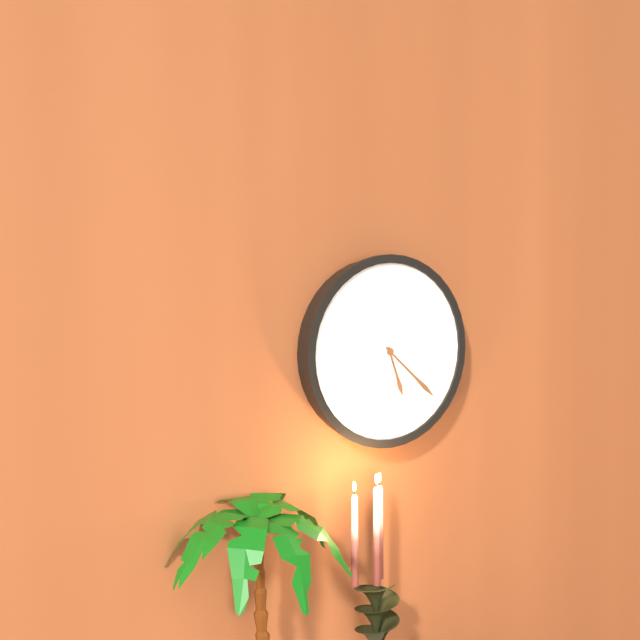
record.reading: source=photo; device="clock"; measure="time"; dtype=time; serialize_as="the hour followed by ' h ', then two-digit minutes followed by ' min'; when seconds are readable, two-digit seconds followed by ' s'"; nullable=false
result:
5 h 22 min
